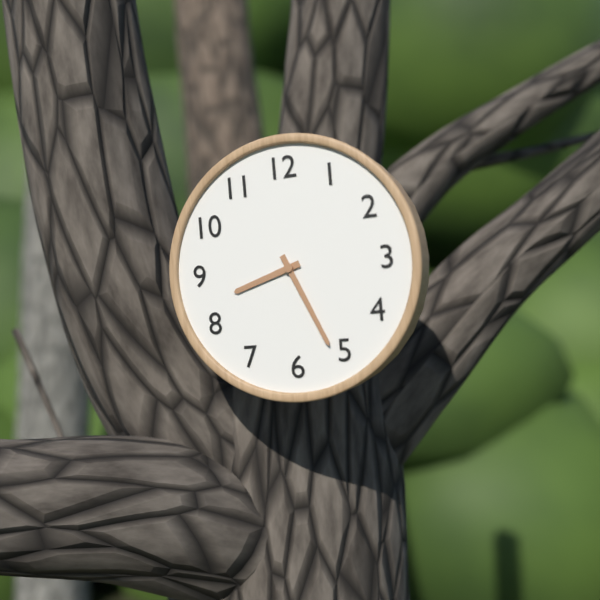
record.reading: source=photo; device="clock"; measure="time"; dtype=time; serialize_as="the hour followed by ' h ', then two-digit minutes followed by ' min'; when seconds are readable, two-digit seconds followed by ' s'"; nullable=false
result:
8 h 26 min
